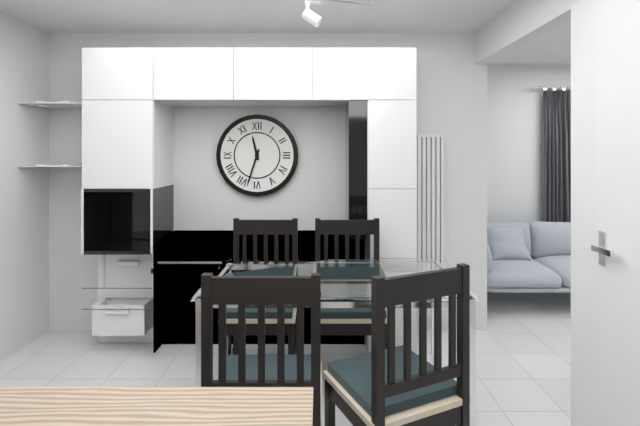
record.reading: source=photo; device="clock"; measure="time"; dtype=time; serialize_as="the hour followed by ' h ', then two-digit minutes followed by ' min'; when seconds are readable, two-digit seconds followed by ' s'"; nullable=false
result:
11 h 33 min
